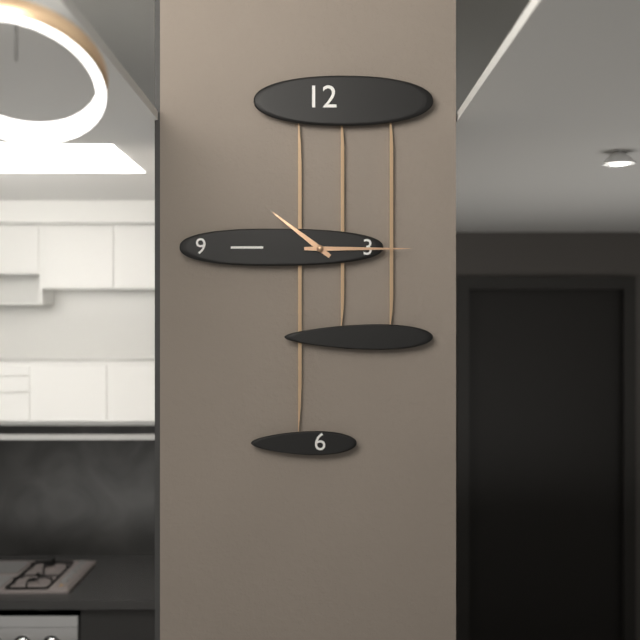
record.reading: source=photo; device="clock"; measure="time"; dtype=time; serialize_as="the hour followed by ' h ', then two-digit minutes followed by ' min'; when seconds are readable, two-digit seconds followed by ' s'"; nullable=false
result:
10 h 15 min
